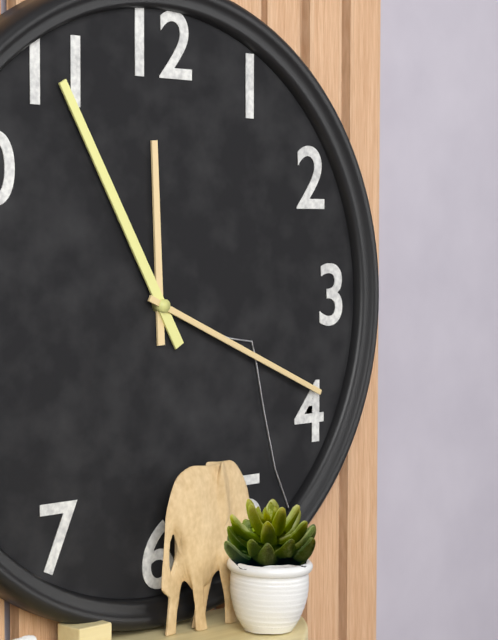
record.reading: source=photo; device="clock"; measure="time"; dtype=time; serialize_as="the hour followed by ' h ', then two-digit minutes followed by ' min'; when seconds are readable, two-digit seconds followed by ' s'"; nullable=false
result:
11 h 55 min 19 s
